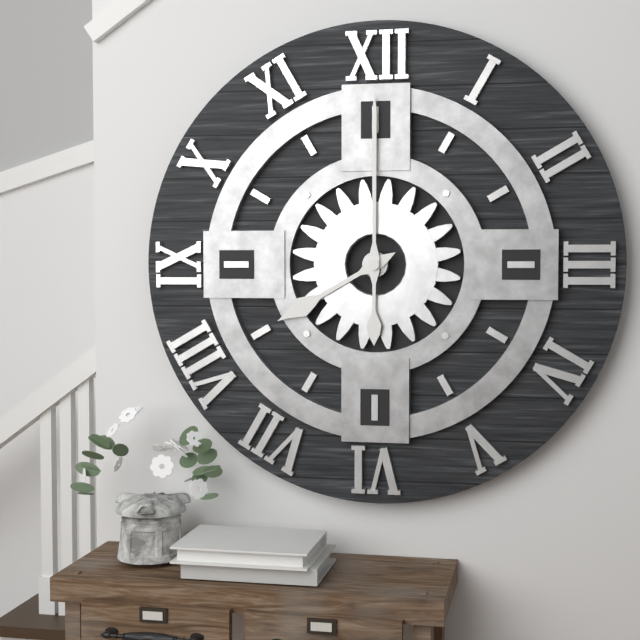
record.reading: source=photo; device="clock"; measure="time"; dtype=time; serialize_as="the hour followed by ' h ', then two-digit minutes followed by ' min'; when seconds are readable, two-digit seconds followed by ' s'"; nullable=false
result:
8 h 00 min
